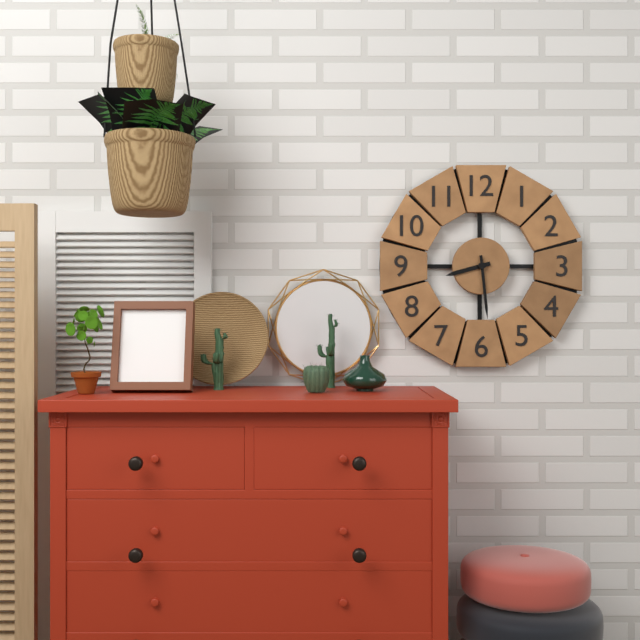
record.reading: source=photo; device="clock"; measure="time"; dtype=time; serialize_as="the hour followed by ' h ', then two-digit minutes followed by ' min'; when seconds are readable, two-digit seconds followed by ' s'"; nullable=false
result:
8 h 29 min
